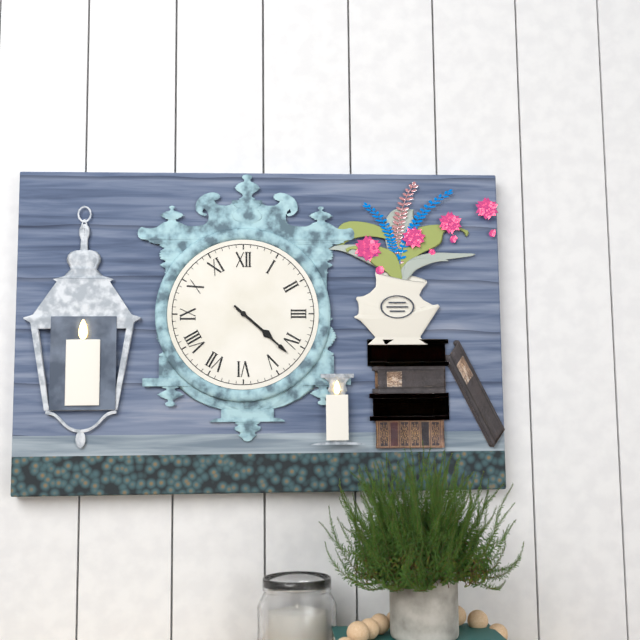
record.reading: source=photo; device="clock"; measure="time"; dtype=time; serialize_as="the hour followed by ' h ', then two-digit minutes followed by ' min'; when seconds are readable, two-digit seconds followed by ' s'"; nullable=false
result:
4 h 22 min
